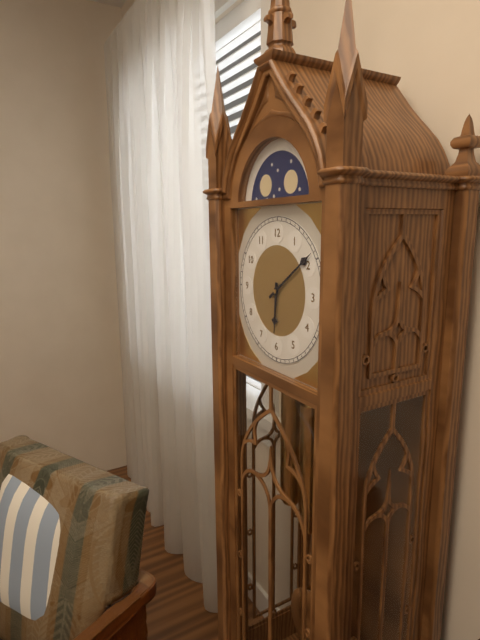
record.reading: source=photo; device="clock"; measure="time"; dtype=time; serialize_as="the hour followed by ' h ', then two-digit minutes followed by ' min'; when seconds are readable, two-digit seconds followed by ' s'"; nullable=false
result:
6 h 09 min
